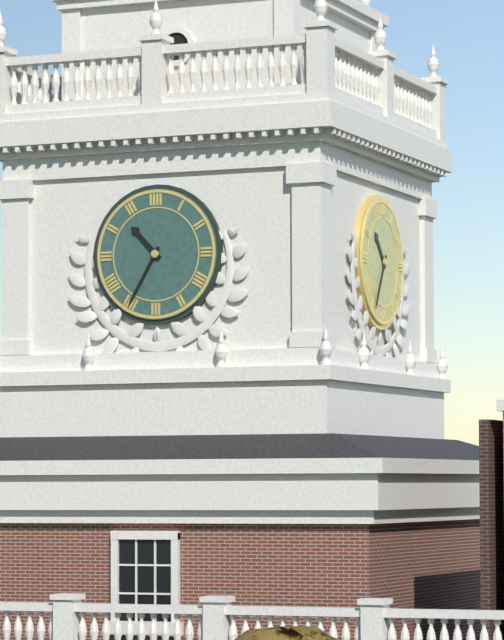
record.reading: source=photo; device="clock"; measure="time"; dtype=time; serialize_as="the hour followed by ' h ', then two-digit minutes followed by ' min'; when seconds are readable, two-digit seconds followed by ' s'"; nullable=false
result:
10 h 35 min
